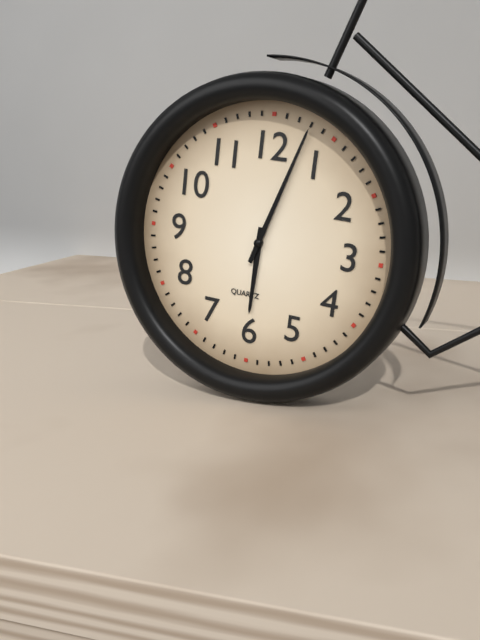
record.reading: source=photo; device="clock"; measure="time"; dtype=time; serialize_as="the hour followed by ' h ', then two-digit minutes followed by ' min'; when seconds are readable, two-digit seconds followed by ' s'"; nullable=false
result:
6 h 03 min
